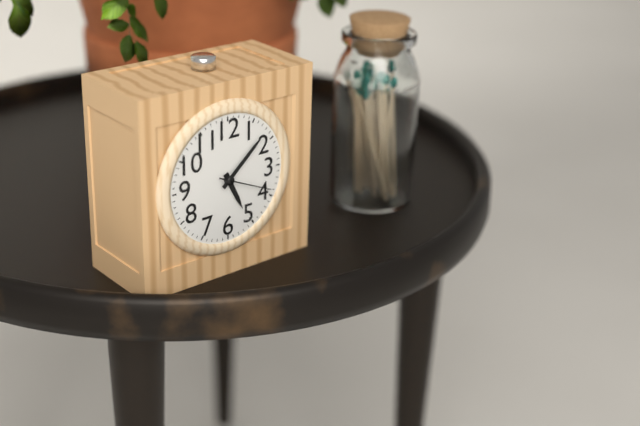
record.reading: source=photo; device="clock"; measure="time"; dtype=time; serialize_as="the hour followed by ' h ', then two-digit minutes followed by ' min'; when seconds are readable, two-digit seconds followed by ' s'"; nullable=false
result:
5 h 08 min 19 s
